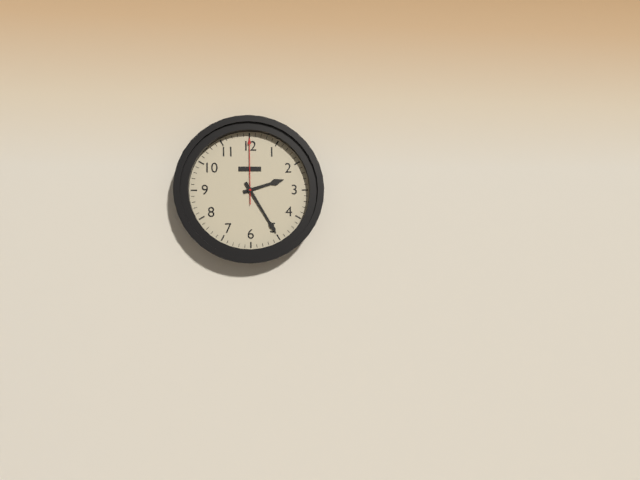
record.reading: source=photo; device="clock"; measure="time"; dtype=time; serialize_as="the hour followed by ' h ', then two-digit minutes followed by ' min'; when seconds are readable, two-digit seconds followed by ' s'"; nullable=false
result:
2 h 25 min 00 s
